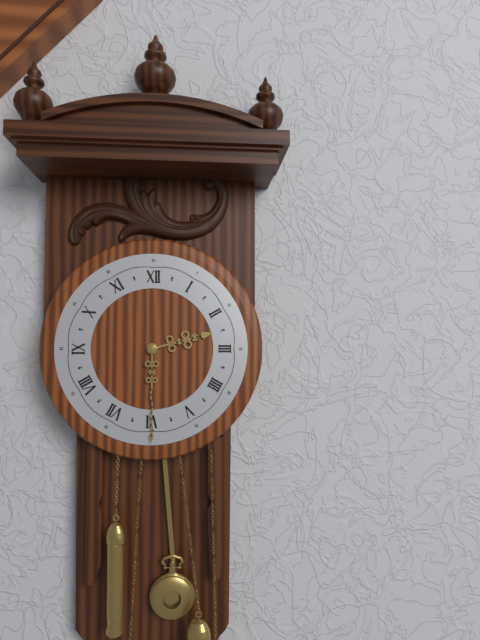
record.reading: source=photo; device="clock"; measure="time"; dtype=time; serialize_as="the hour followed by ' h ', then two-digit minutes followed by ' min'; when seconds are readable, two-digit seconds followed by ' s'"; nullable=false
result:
2 h 30 min
